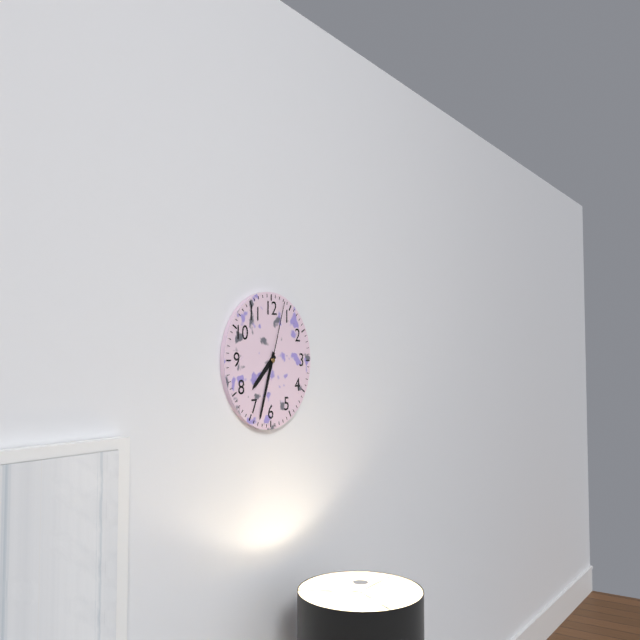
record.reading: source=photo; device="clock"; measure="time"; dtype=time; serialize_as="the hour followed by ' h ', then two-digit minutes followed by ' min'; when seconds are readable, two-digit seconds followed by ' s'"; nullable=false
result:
7 h 33 min 03 s
